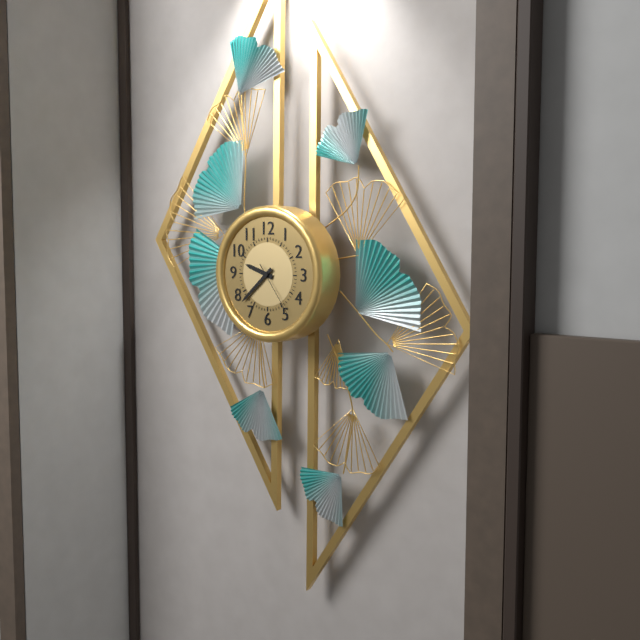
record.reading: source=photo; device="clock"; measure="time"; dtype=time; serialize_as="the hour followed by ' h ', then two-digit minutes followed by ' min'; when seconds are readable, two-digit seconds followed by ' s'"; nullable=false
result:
9 h 38 min 24 s
